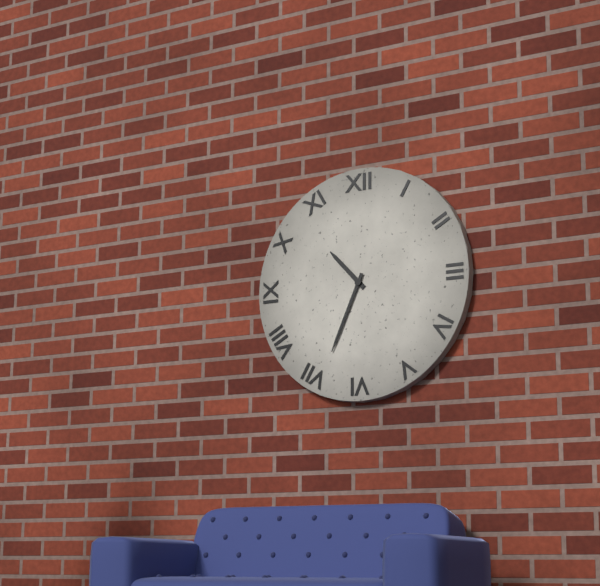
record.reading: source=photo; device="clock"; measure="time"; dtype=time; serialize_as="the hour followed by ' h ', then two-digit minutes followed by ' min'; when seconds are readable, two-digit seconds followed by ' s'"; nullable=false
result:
10 h 34 min
